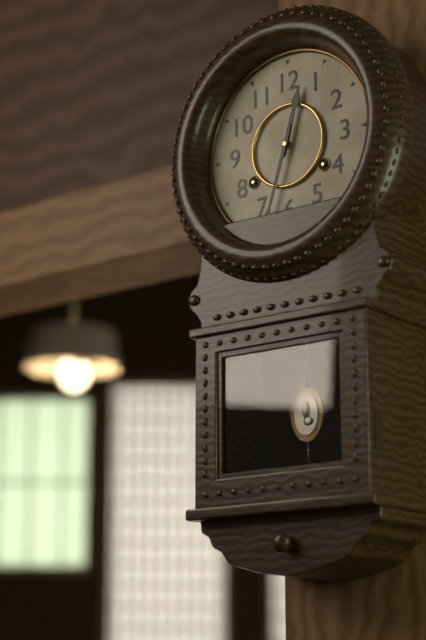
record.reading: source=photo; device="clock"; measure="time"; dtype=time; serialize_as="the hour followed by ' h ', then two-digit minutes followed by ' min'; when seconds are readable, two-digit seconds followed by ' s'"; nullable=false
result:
12 h 33 min
